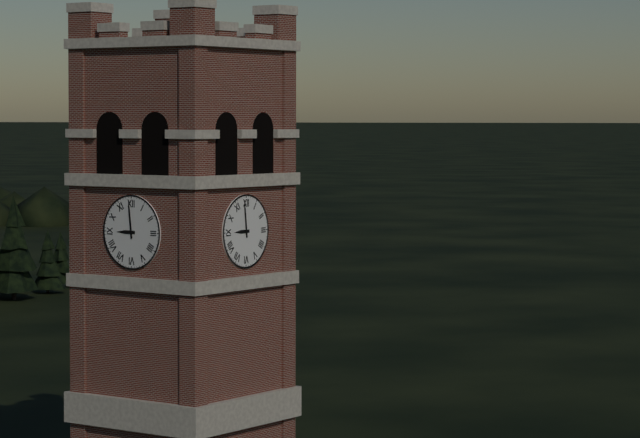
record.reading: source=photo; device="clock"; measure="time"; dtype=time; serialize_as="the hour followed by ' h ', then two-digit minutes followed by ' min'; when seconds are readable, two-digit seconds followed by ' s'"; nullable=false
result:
8 h 59 min
